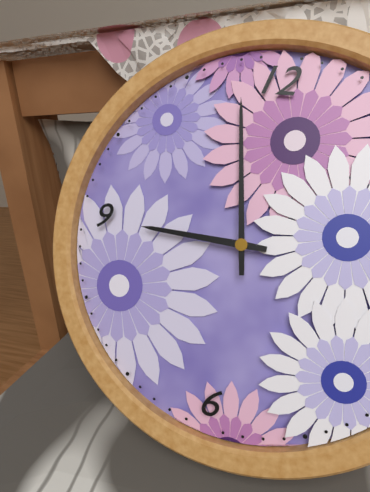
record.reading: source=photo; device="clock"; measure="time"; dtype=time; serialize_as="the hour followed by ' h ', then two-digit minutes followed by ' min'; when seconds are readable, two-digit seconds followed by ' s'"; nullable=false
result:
8 h 58 min
